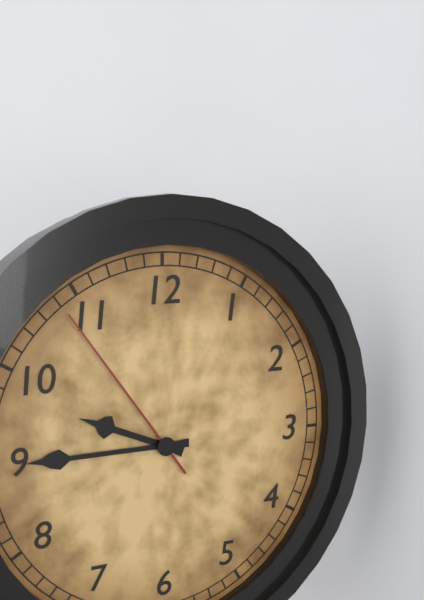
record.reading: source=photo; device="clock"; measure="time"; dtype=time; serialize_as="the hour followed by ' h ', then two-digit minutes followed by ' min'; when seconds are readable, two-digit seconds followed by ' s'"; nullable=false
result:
9 h 45 min 54 s
